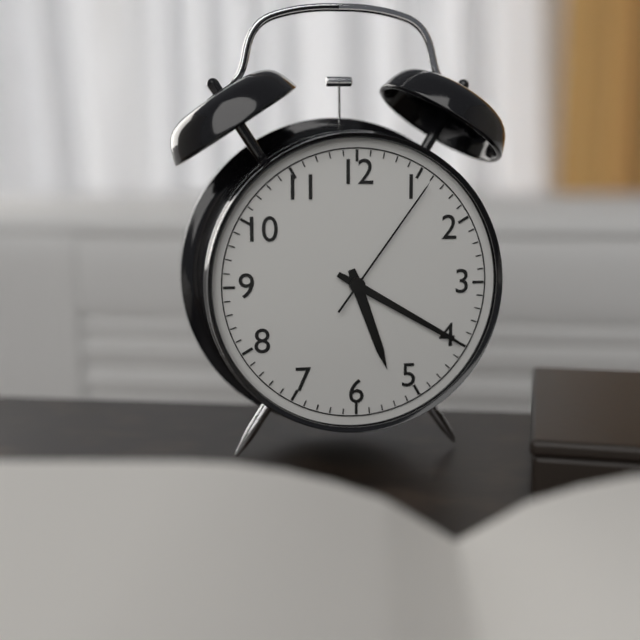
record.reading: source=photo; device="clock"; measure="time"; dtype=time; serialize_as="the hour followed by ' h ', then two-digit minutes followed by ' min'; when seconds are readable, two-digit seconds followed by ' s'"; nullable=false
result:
5 h 20 min 06 s
